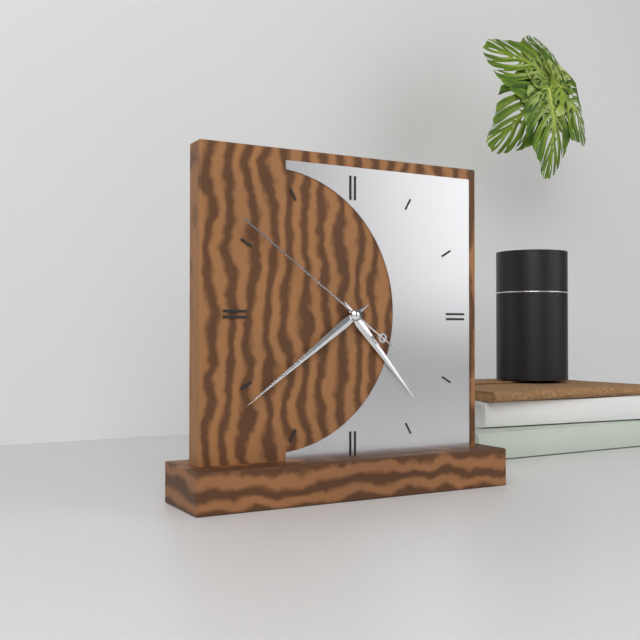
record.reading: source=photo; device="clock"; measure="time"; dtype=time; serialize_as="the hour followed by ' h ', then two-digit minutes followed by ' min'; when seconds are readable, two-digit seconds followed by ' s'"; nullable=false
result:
4 h 39 min 51 s
